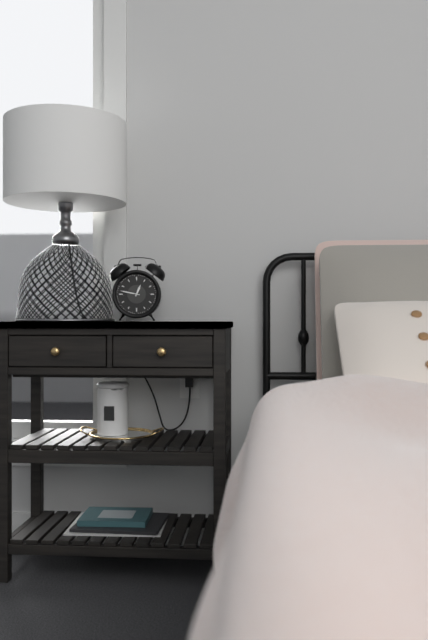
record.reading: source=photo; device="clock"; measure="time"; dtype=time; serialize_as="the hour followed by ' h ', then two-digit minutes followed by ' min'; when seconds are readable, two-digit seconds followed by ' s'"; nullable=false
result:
12 h 47 min
